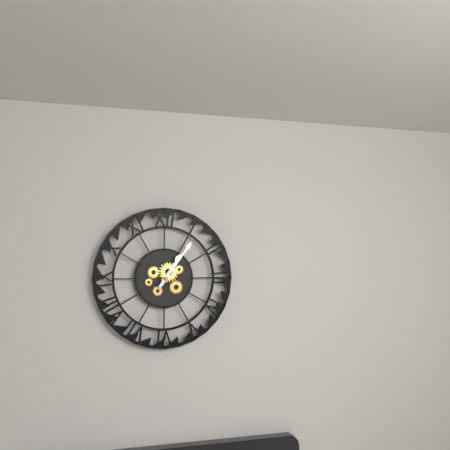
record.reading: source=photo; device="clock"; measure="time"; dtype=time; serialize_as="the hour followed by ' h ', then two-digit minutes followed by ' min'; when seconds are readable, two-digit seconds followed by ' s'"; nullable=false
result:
1 h 06 min
